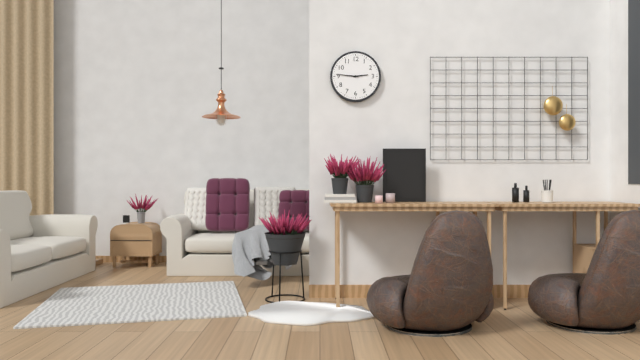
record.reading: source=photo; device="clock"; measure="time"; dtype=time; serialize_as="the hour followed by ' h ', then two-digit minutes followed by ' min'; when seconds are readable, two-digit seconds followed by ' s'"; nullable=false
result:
2 h 46 min
